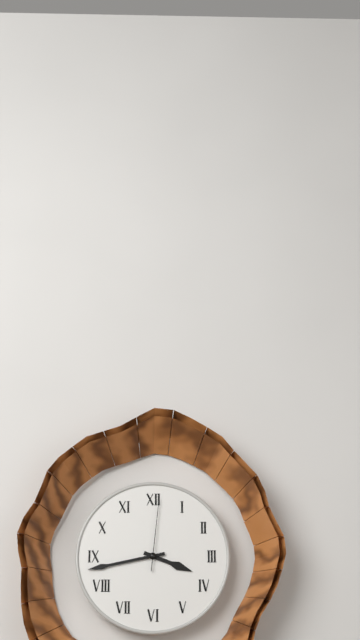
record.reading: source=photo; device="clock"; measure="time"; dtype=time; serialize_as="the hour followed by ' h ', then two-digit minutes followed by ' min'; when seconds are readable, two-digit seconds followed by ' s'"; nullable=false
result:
3 h 43 min 01 s
